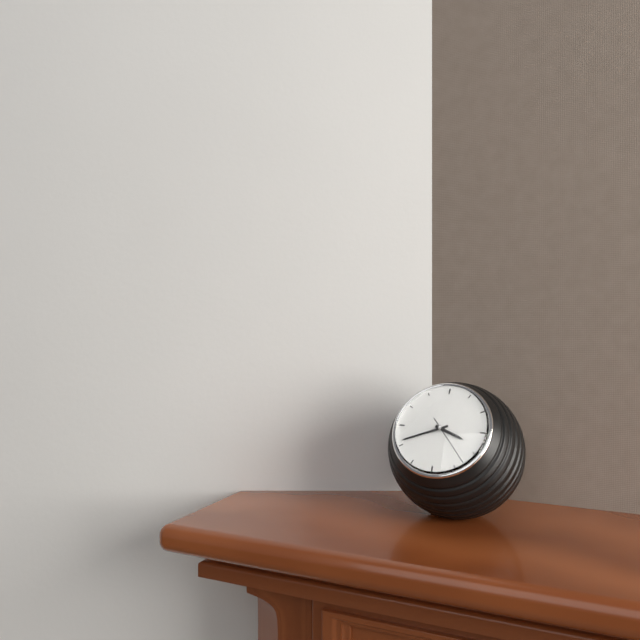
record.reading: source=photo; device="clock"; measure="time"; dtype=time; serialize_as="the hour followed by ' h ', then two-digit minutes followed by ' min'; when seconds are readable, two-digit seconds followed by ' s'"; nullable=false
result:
3 h 41 min
